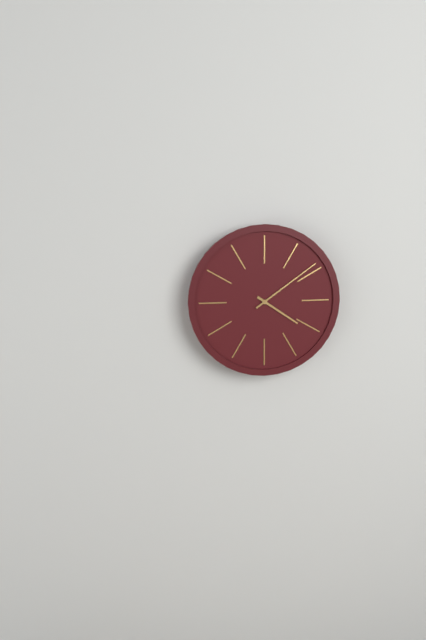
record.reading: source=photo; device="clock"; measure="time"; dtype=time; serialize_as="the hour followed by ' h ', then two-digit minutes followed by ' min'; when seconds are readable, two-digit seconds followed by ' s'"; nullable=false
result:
4 h 09 min
